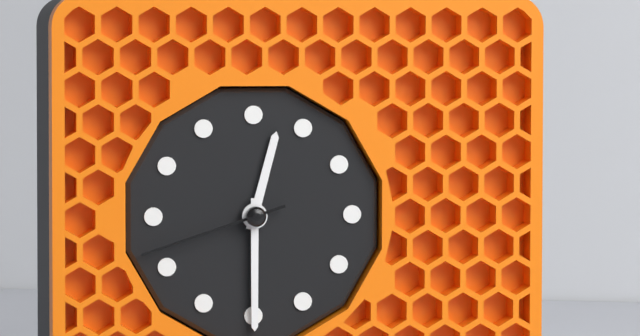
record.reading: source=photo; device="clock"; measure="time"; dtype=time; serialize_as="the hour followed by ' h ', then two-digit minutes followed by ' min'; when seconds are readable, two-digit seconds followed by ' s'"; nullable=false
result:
12 h 30 min 42 s
